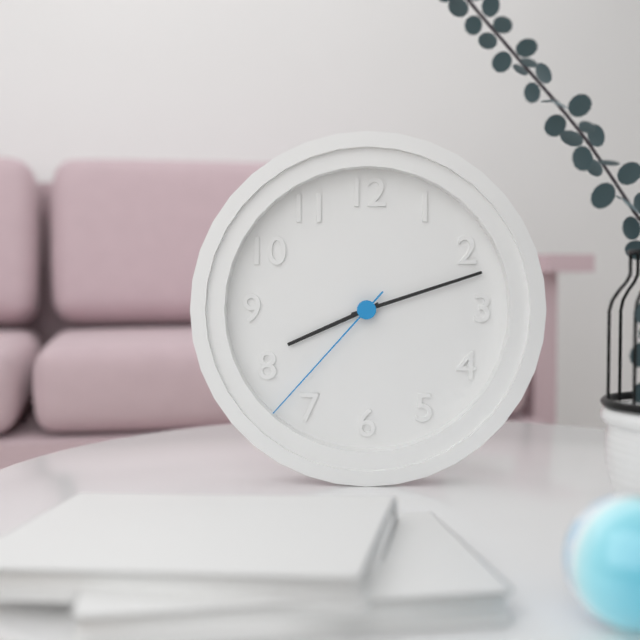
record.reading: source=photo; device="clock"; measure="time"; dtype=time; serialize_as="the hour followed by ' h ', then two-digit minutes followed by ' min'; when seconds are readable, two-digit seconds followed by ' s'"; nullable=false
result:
8 h 12 min 37 s
